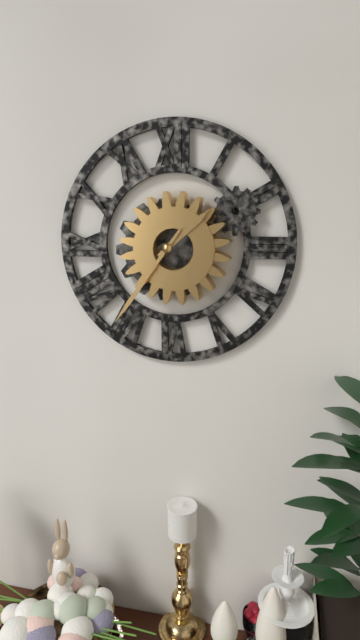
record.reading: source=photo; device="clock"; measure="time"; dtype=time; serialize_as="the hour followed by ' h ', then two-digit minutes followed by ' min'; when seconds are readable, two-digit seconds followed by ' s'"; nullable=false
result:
1 h 36 min
